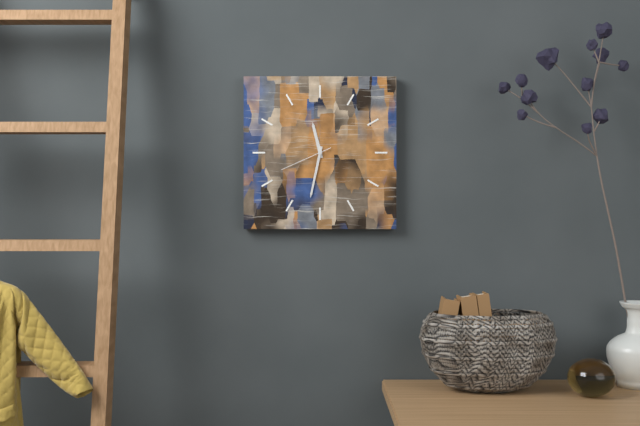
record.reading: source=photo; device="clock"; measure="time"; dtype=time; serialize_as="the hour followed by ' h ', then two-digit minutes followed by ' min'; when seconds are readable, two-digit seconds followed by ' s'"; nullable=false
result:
11 h 32 min 41 s
